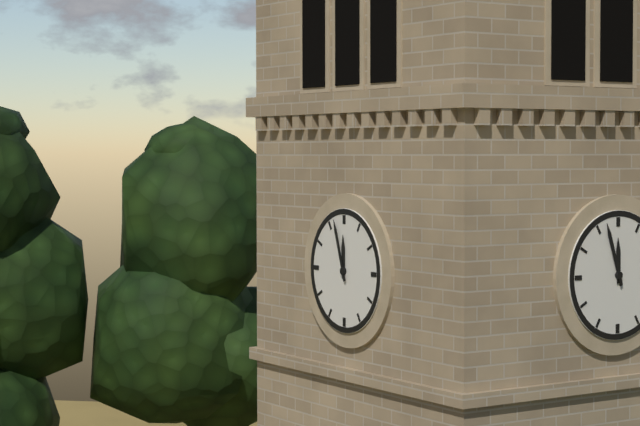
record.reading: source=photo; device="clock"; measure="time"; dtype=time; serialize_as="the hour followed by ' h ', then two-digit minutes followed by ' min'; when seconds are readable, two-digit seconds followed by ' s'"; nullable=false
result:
11 h 57 min
